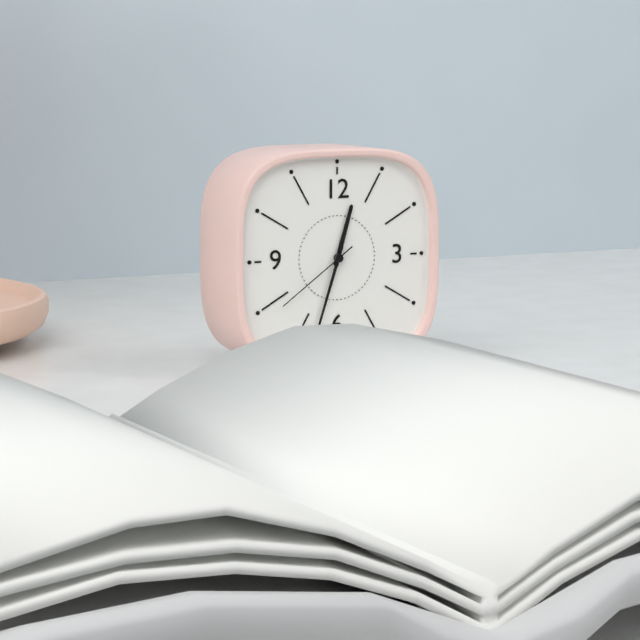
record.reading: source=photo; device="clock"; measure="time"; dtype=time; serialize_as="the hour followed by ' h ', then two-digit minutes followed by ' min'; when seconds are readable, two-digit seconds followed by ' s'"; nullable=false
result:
12 h 33 min 39 s
